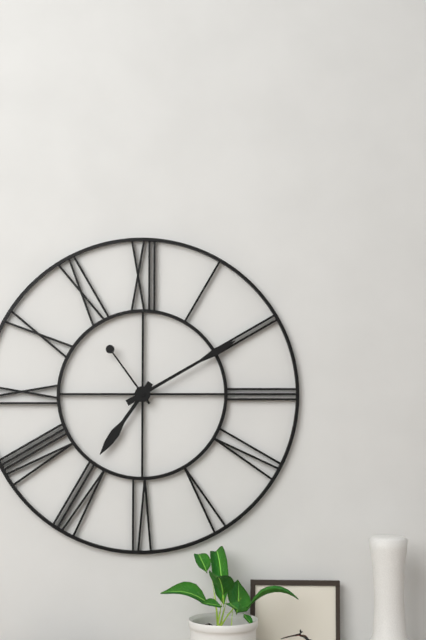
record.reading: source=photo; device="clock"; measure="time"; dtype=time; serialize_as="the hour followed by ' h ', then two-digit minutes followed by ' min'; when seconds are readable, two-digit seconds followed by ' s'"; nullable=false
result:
7 h 10 min 54 s
